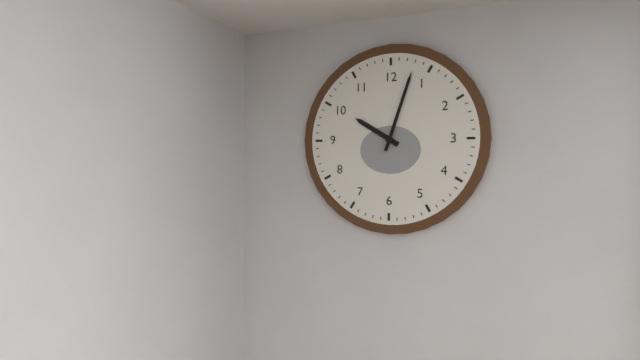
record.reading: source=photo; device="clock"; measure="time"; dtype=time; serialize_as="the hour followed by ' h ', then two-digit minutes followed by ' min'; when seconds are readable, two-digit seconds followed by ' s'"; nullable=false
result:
10 h 03 min
